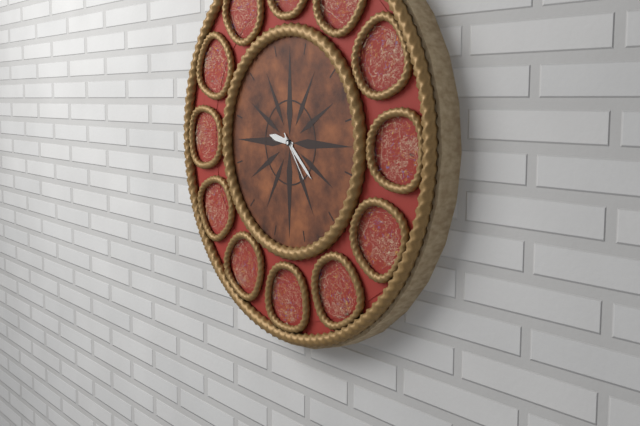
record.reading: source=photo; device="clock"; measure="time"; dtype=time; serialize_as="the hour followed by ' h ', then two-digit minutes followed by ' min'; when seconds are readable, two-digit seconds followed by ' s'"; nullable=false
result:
9 h 22 min
